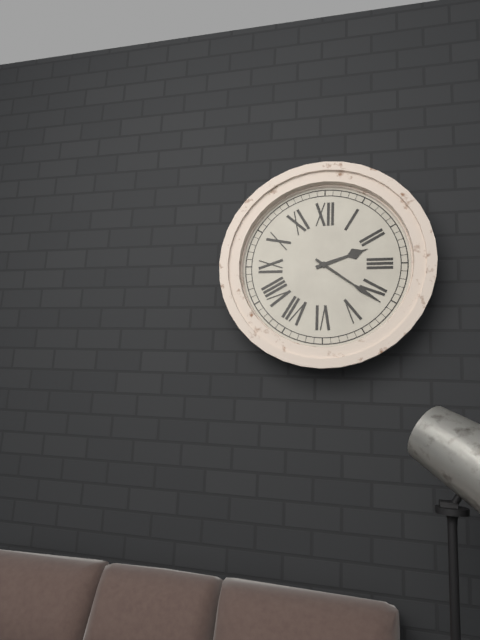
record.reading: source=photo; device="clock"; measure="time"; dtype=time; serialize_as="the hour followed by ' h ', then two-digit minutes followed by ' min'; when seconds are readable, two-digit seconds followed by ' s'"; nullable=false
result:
2 h 21 min
